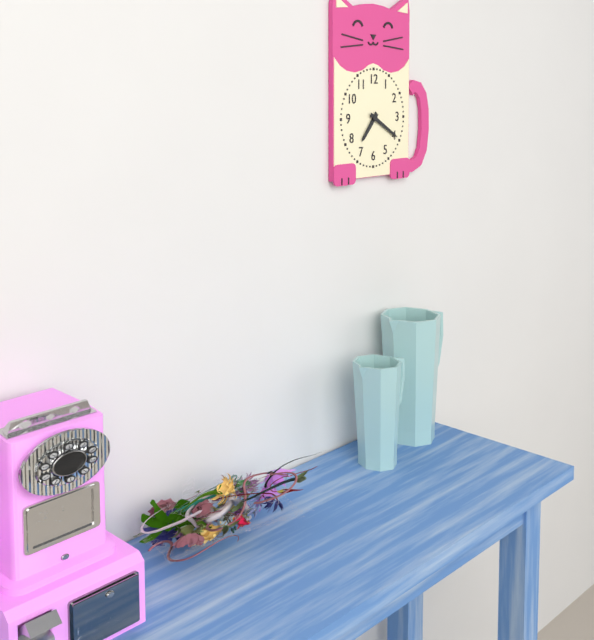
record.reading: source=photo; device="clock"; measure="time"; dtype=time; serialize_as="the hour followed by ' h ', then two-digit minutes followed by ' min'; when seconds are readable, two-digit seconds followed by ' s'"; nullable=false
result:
7 h 20 min
